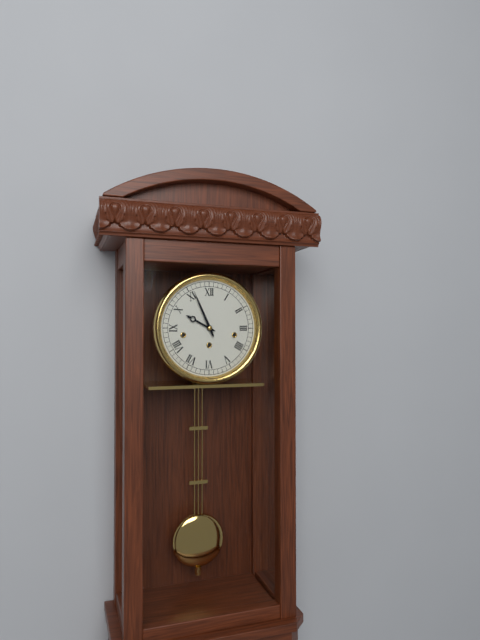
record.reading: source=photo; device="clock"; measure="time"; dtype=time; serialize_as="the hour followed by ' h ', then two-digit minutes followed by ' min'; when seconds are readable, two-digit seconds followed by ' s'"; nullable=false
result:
9 h 56 min
